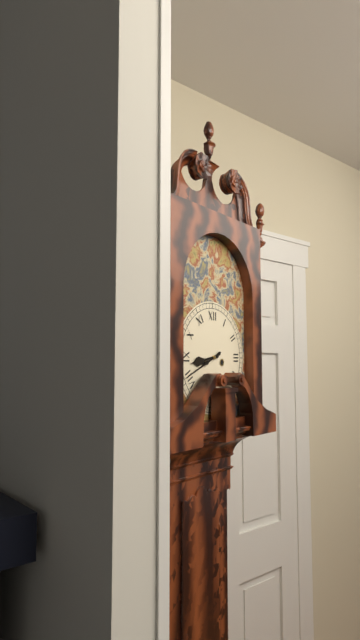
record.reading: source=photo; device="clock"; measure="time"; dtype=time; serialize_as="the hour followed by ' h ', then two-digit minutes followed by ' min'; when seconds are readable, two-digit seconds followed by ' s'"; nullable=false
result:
8 h 41 min
